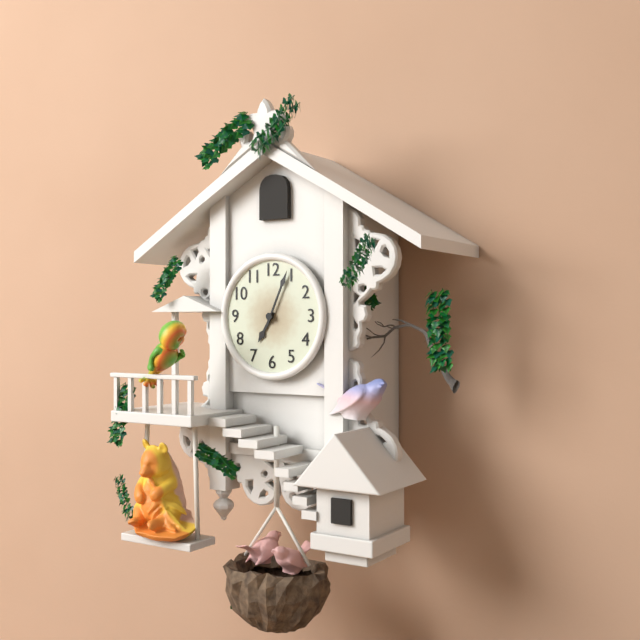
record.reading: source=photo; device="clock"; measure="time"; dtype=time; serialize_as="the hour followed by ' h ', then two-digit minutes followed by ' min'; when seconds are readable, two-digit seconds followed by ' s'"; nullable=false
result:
7 h 04 min
